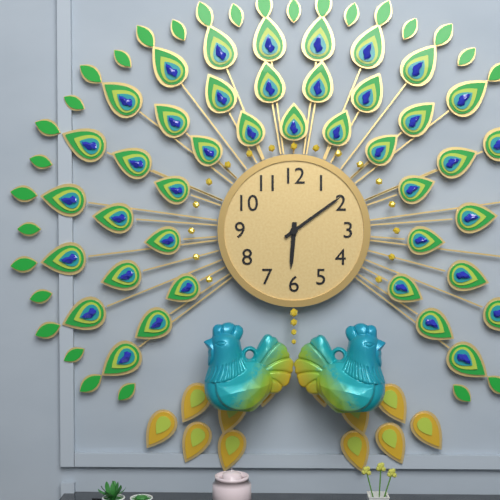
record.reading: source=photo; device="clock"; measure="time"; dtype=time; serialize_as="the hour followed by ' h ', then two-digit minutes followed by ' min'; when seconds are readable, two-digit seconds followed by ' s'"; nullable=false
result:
6 h 09 min
